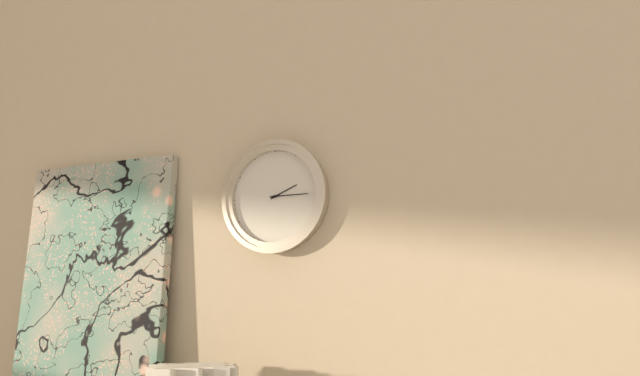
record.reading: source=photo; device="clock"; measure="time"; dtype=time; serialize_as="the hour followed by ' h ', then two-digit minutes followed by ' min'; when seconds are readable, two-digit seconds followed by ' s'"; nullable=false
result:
2 h 15 min
